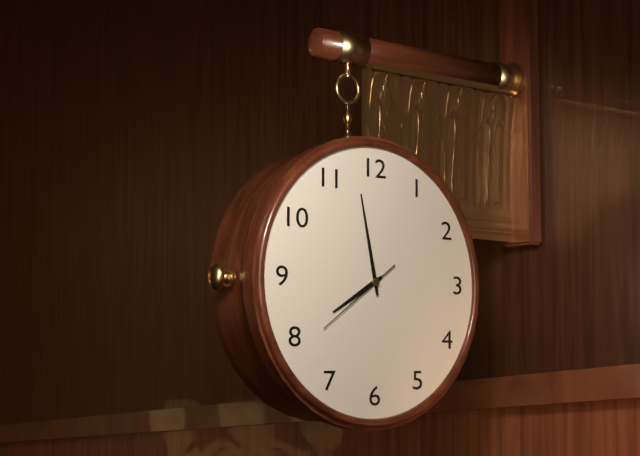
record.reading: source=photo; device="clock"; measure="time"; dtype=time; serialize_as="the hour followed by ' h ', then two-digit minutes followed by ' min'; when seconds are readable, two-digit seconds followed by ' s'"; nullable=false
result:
7 h 58 min 39 s
